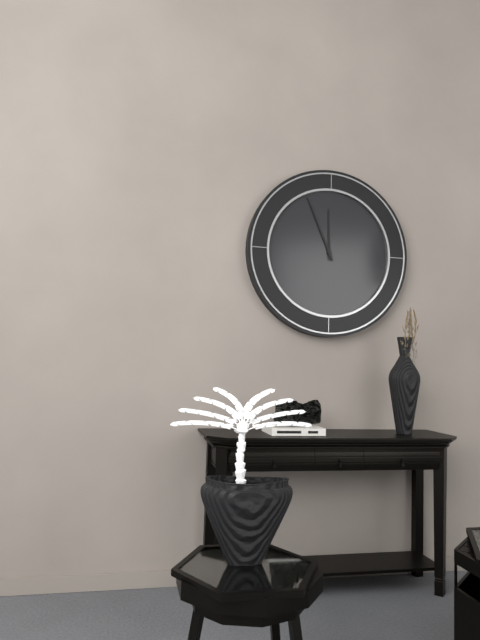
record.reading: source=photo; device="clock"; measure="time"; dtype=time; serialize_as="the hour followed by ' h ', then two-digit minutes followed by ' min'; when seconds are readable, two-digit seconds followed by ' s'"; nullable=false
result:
11 h 56 min
